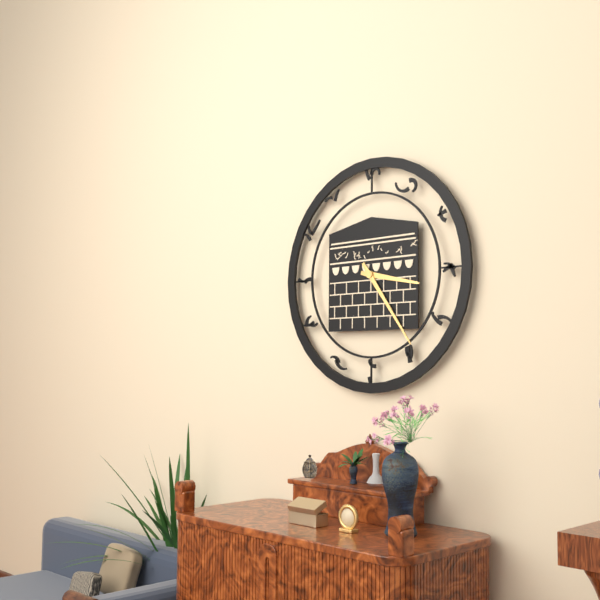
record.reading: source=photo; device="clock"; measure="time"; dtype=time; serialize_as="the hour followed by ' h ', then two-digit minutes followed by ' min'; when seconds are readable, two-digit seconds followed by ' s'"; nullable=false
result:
3 h 24 min
